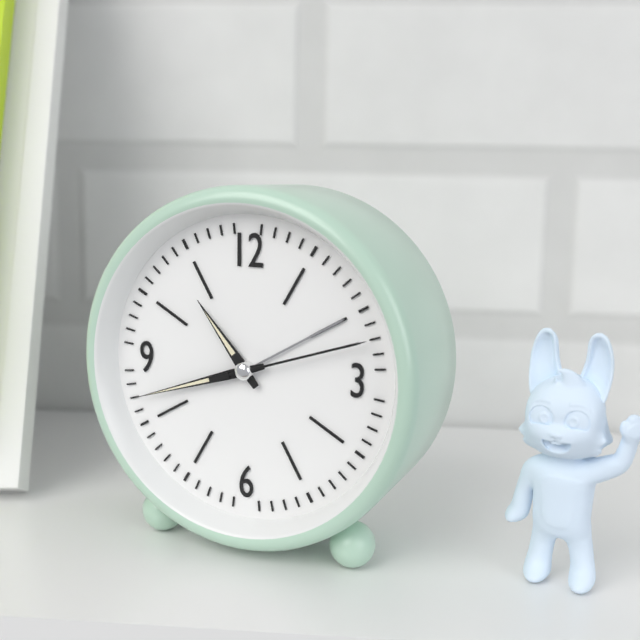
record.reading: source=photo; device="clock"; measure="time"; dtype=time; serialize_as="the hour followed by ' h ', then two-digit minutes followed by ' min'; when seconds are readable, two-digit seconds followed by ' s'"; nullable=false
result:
10 h 42 min 12 s
